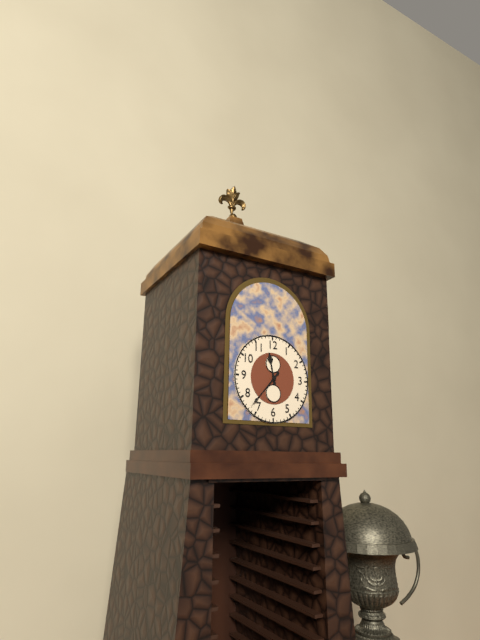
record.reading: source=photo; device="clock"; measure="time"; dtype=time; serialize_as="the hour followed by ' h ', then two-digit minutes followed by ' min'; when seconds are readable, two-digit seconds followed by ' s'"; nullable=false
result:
11 h 37 min
